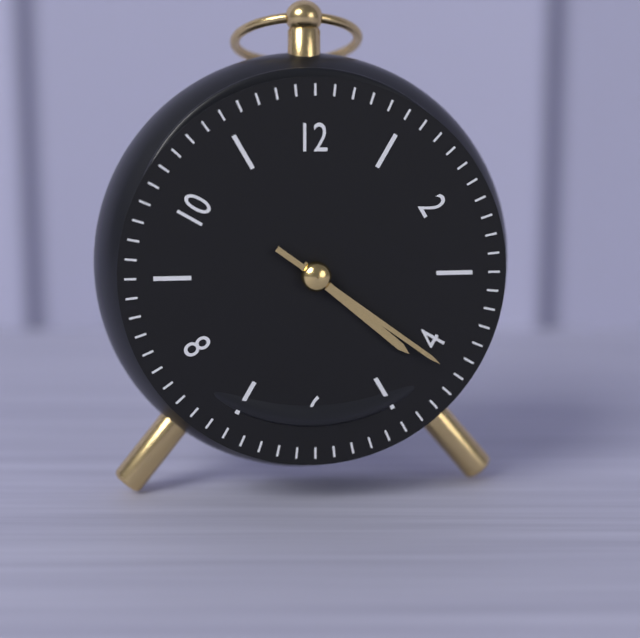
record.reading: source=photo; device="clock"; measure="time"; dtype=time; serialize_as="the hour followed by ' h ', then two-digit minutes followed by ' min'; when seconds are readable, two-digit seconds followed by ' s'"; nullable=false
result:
4 h 21 min
